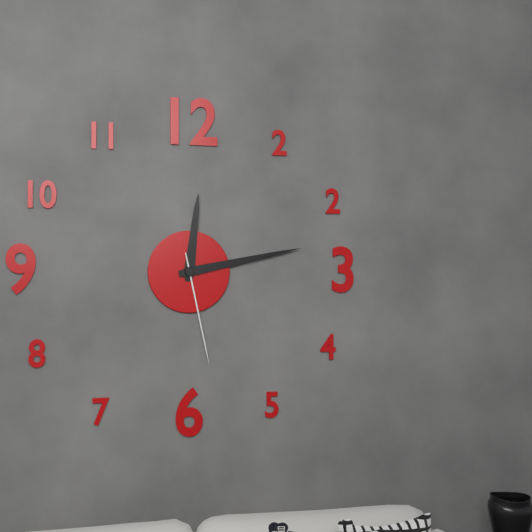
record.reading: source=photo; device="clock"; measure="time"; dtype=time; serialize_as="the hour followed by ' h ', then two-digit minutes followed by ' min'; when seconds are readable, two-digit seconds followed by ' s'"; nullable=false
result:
12 h 13 min 28 s
